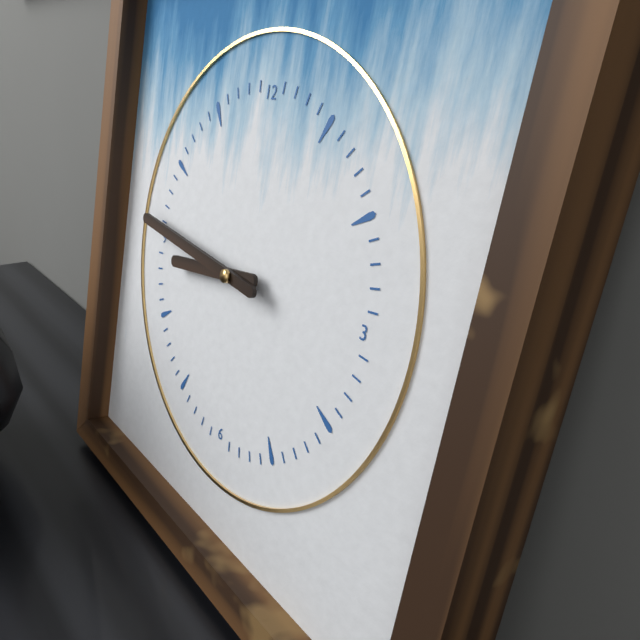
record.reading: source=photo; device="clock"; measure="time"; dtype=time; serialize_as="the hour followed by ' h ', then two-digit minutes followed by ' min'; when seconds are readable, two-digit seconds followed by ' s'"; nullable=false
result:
8 h 46 min
